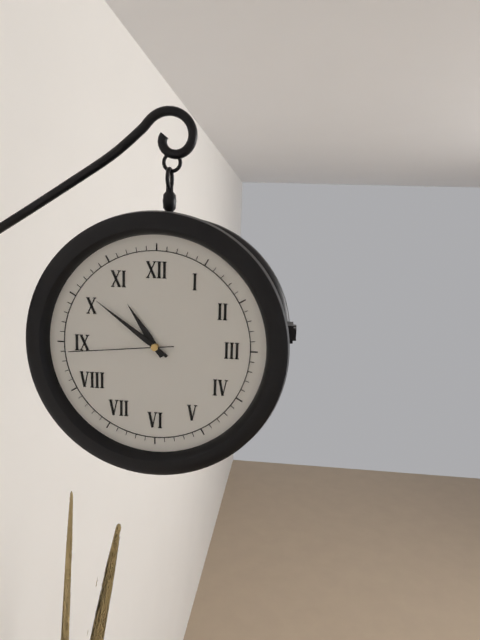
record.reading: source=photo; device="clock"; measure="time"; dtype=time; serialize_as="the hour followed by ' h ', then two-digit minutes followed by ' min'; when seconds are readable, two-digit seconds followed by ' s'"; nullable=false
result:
10 h 51 min 44 s
